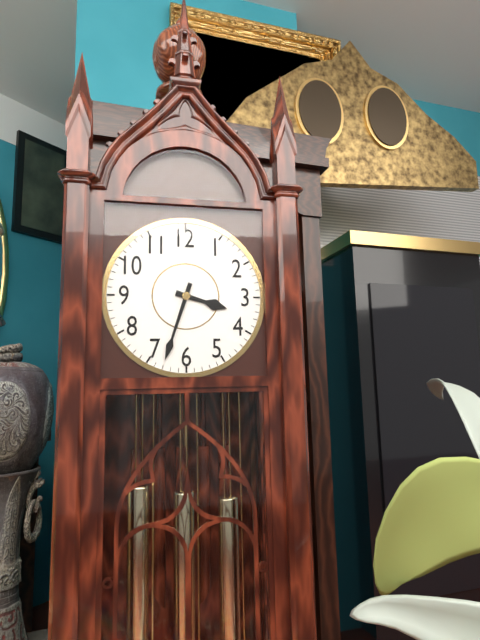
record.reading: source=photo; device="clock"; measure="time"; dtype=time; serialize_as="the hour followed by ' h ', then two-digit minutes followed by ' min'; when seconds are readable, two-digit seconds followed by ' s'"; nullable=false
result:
3 h 33 min
